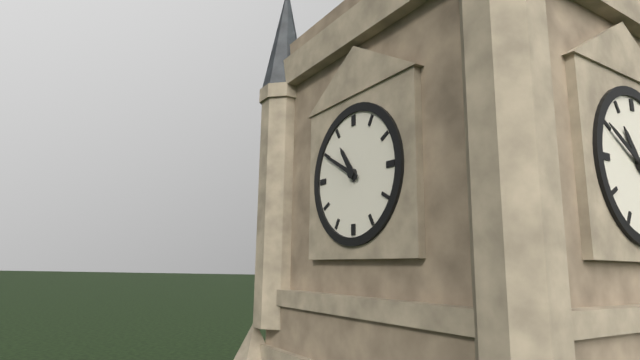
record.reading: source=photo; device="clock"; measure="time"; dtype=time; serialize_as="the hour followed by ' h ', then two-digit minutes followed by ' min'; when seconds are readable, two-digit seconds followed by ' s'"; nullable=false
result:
10 h 50 min
